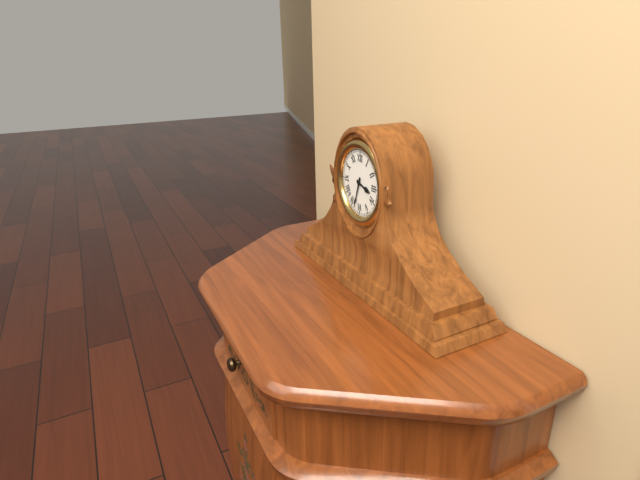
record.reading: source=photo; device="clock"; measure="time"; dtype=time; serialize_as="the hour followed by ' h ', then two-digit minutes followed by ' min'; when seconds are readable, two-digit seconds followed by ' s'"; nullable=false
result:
3 h 33 min
